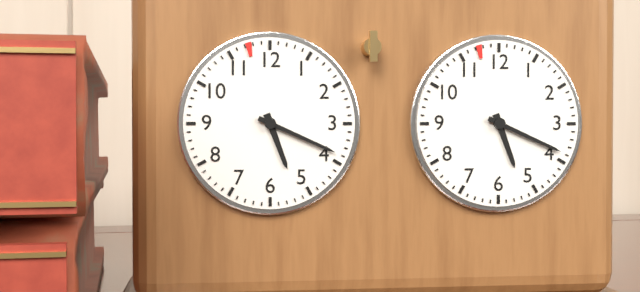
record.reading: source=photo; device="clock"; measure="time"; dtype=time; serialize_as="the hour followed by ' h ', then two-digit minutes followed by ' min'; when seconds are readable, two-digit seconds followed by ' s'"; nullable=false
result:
5 h 19 min
